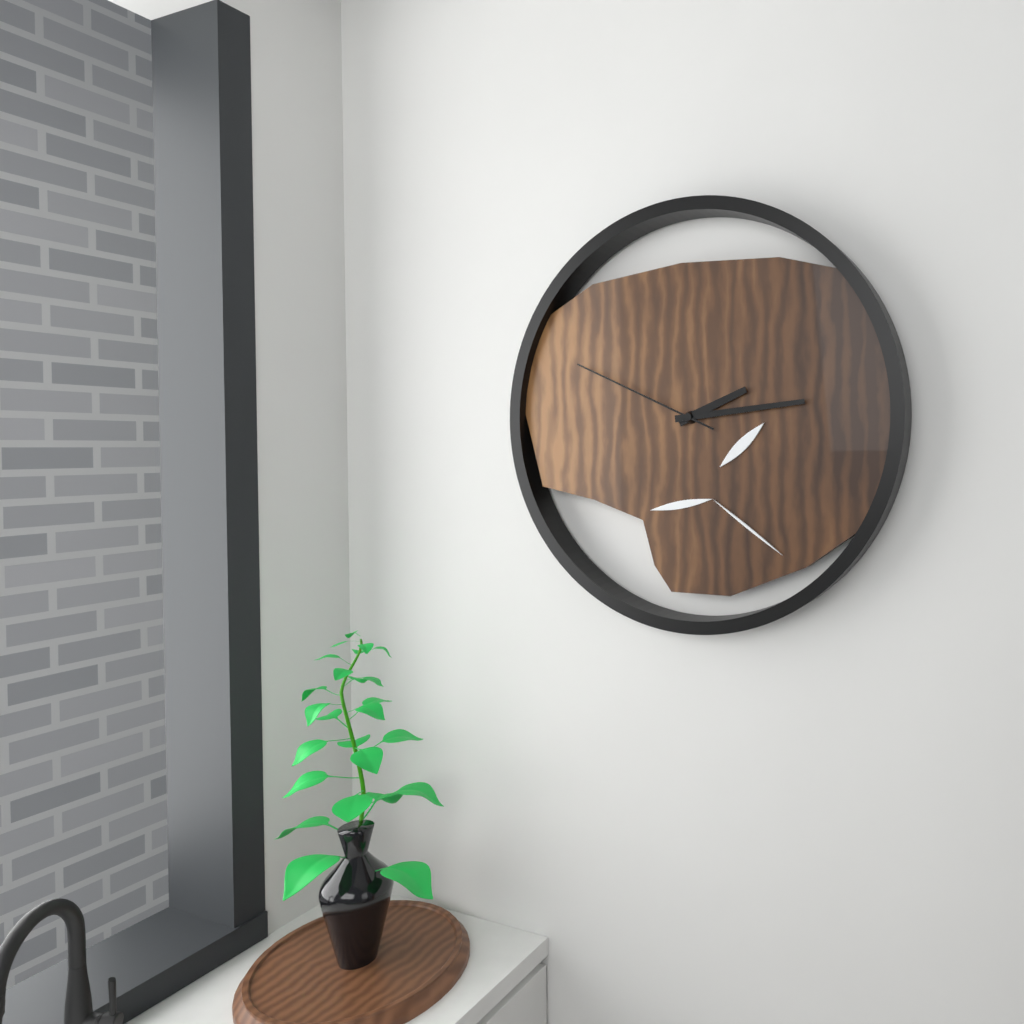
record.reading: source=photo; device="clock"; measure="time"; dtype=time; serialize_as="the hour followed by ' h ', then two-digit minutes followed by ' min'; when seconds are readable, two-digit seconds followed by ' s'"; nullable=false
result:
2 h 14 min 49 s
